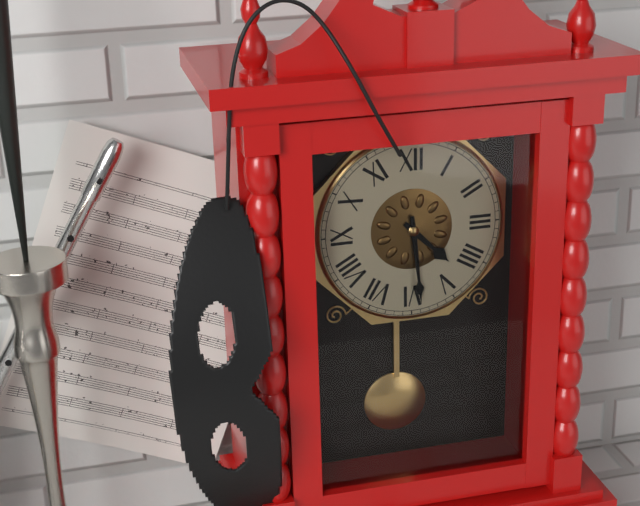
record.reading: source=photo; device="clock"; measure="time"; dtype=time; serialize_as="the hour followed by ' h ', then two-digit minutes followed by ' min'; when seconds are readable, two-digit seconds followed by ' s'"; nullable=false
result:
4 h 29 min
